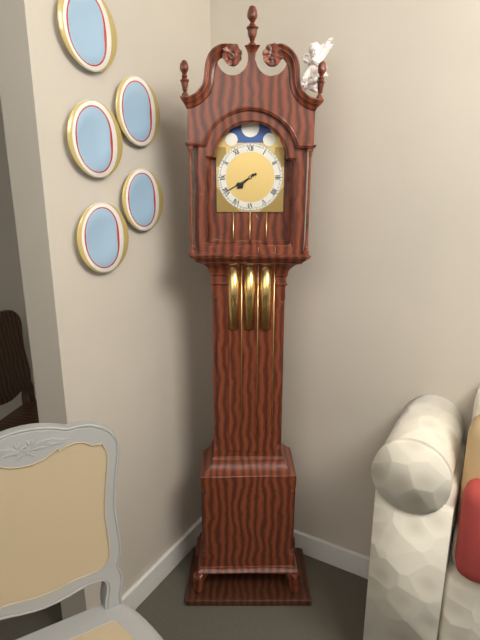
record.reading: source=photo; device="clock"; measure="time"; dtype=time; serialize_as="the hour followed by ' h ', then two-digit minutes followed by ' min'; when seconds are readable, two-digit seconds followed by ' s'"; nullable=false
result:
7 h 40 min
